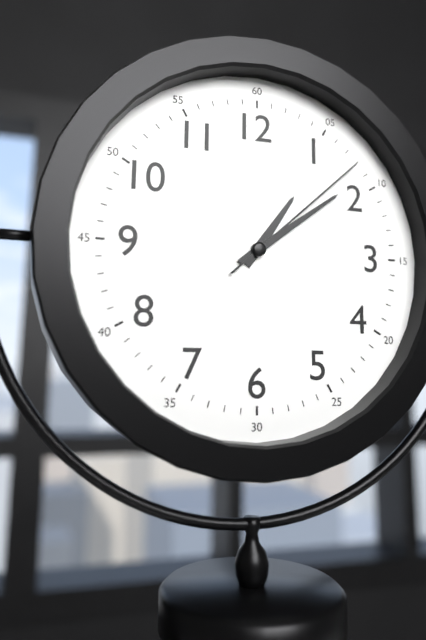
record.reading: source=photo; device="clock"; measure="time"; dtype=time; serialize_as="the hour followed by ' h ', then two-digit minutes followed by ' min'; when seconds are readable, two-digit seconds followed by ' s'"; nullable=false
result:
1 h 09 min 08 s
